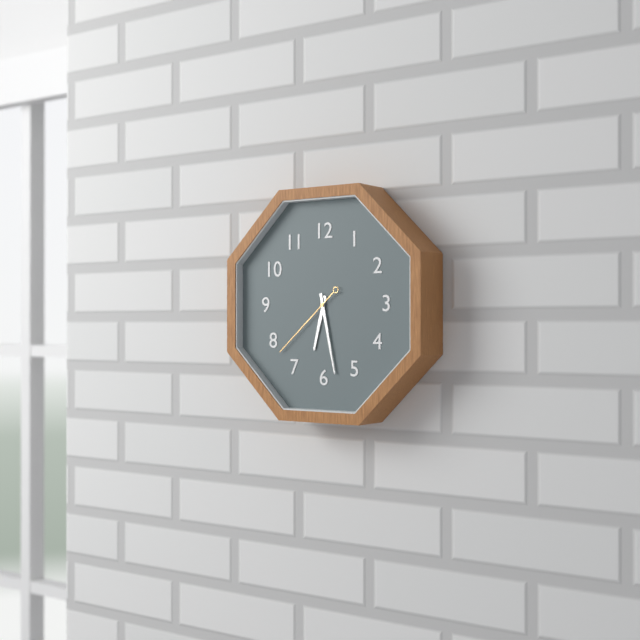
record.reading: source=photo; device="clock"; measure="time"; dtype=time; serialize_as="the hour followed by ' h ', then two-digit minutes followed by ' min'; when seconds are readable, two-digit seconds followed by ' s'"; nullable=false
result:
6 h 28 min 38 s
